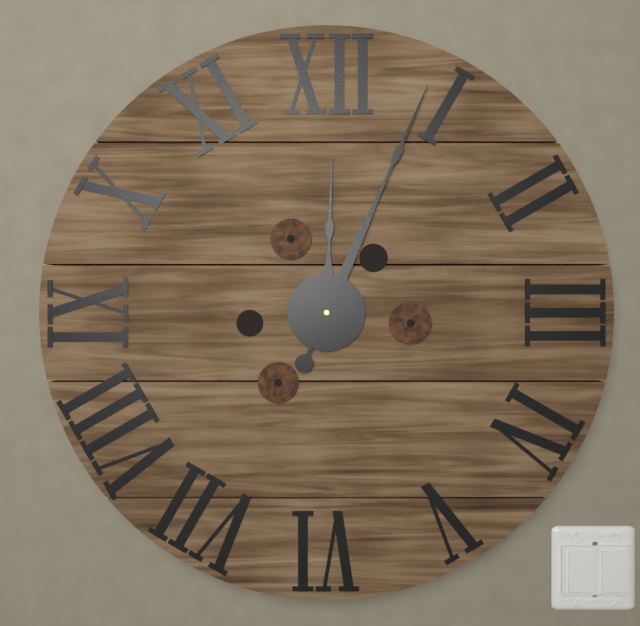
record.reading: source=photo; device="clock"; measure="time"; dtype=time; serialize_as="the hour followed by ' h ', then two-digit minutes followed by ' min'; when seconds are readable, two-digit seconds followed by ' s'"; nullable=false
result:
12 h 04 min
